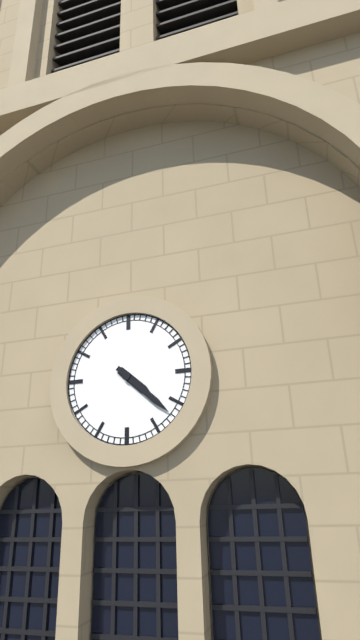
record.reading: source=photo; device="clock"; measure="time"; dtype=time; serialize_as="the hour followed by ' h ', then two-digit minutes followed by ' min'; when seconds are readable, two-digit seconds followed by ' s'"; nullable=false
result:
4 h 22 min
